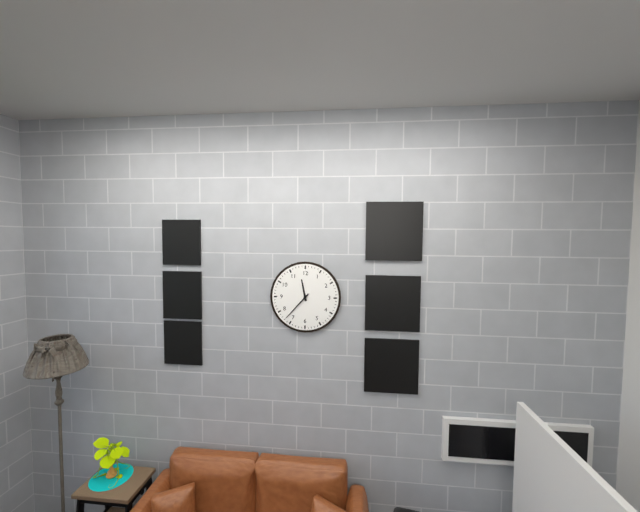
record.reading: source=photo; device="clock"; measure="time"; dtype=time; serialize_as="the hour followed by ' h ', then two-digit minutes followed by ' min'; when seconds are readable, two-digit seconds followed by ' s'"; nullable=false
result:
11 h 37 min
